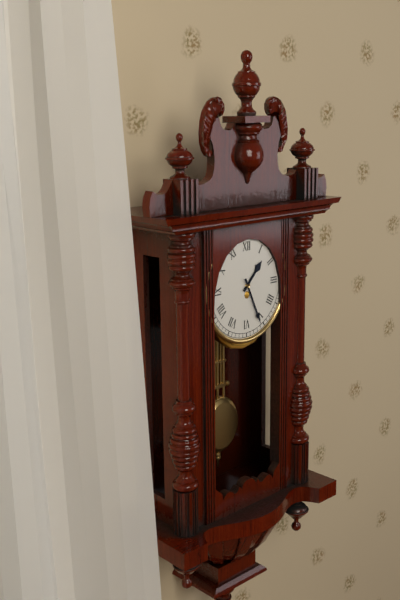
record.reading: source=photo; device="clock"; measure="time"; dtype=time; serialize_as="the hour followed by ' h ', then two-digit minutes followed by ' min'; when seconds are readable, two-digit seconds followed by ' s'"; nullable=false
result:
1 h 26 min
